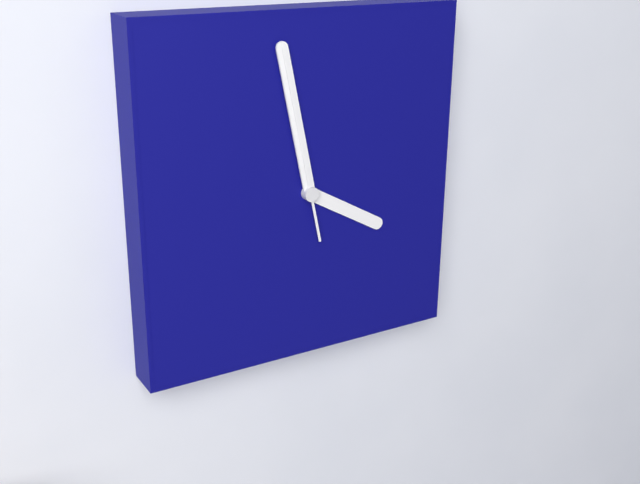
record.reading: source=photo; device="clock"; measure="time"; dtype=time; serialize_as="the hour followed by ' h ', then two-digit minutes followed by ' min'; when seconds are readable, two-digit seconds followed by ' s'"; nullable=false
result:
3 h 58 min 58 s
